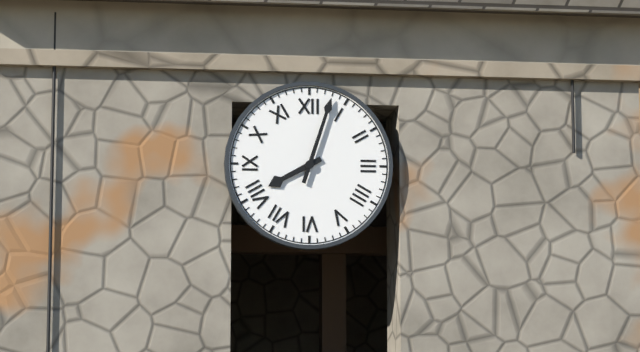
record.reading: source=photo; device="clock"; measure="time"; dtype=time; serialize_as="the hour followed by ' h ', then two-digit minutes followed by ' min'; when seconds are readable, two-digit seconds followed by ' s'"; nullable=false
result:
8 h 03 min
